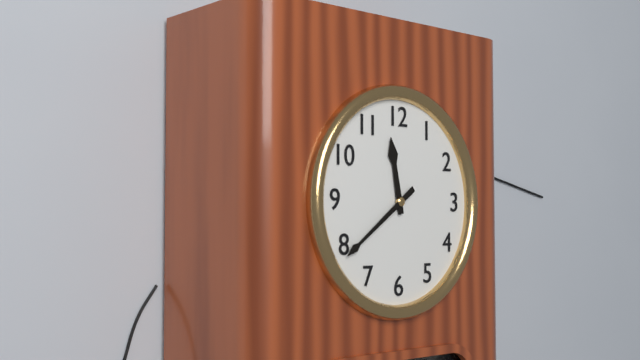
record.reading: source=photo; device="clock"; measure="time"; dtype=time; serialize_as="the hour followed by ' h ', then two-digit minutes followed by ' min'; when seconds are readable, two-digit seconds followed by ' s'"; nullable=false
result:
11 h 39 min
